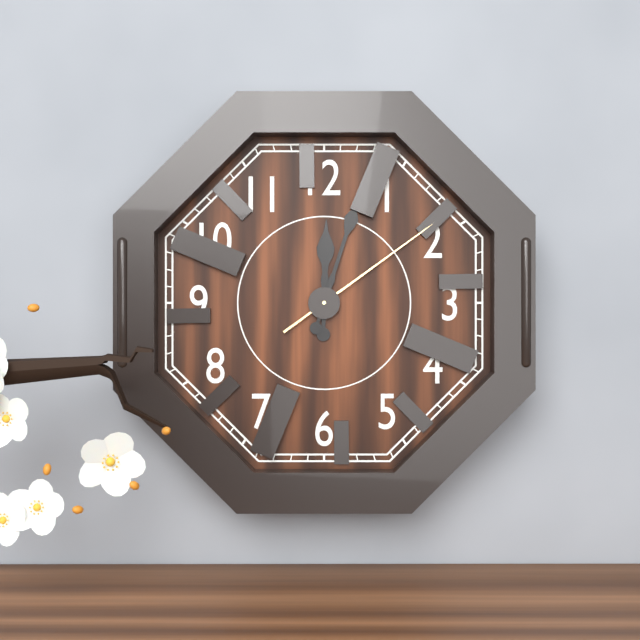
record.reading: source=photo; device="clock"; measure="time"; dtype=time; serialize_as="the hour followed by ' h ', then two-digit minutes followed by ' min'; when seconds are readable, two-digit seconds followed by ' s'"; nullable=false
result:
12 h 03 min 09 s
